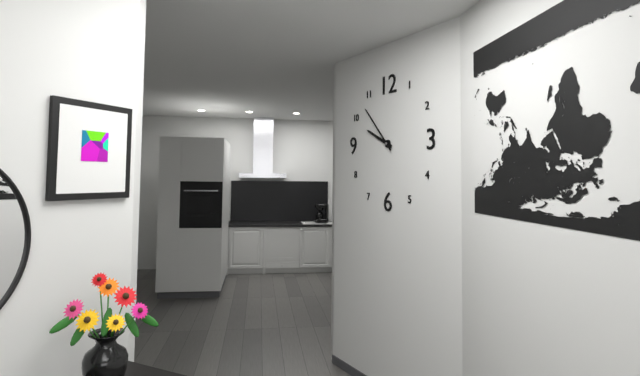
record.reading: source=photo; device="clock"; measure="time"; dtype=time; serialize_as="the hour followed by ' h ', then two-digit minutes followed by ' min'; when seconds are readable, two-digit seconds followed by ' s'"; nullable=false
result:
9 h 53 min
